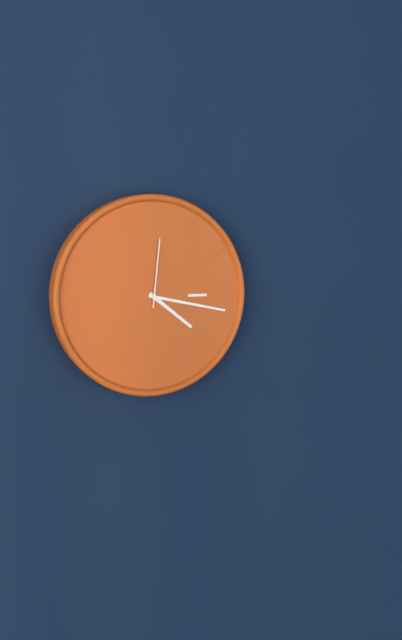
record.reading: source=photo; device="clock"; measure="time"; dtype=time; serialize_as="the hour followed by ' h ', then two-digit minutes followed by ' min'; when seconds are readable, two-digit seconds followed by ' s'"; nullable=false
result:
4 h 17 min 01 s
